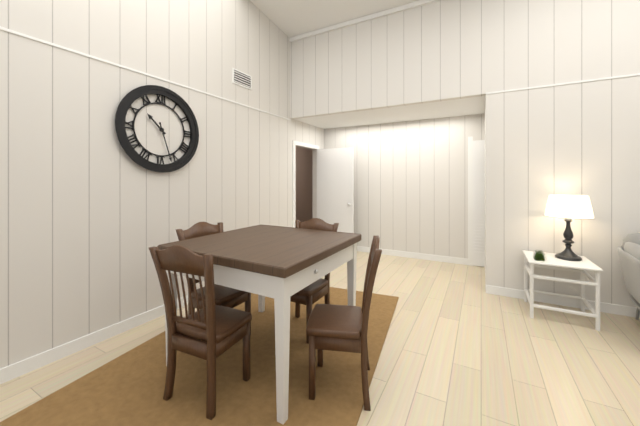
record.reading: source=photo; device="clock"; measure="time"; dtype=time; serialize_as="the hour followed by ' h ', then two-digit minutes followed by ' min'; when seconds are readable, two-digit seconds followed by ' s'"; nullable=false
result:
10 h 27 min
